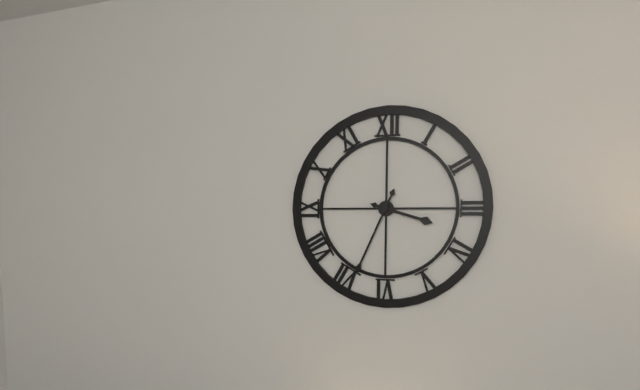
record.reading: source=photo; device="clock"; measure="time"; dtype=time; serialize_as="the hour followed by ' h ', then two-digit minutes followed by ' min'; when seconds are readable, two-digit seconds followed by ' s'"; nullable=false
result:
3 h 34 min
